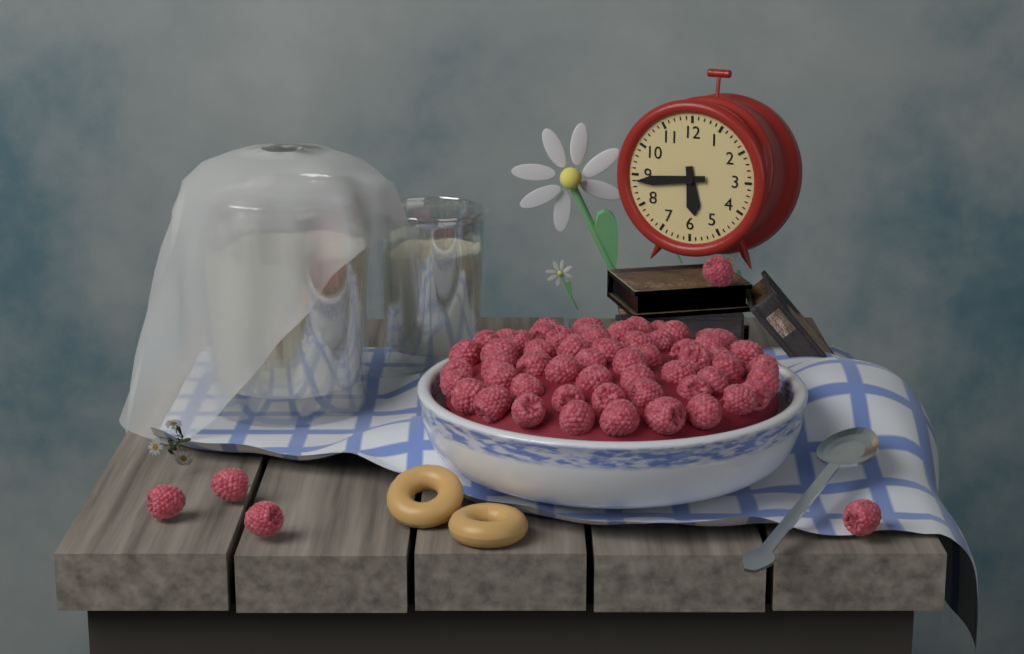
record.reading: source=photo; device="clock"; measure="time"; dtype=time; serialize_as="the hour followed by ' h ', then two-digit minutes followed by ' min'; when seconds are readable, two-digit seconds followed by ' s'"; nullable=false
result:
5 h 44 min
